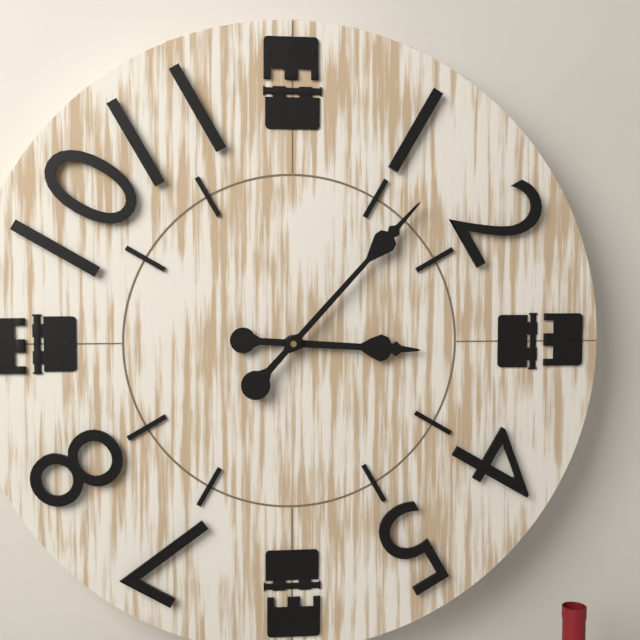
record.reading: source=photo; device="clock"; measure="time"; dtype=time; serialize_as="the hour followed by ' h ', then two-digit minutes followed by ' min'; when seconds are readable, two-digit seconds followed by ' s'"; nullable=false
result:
3 h 07 min
